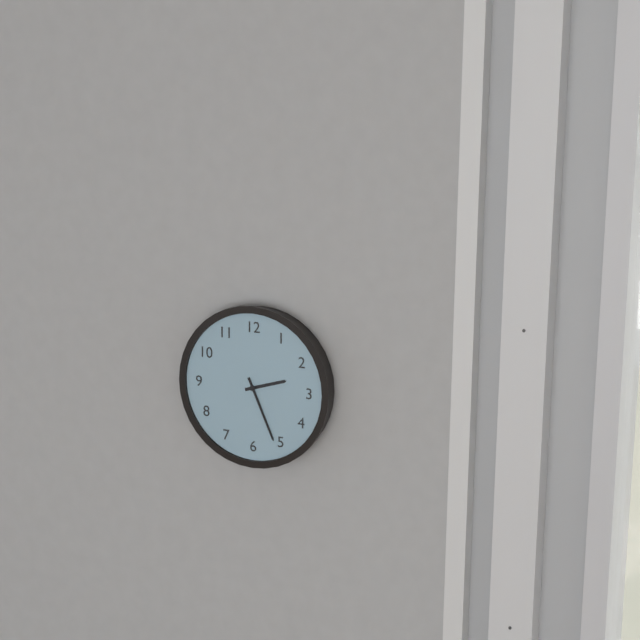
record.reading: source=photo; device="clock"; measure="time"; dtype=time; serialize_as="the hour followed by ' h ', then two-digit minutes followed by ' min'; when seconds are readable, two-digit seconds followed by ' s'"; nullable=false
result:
2 h 26 min
